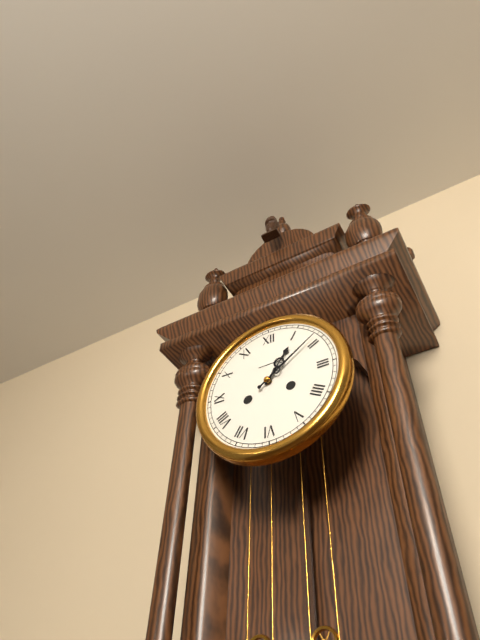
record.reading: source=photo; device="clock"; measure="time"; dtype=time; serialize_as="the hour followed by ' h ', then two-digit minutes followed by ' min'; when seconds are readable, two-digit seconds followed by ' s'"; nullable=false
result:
1 h 09 min
